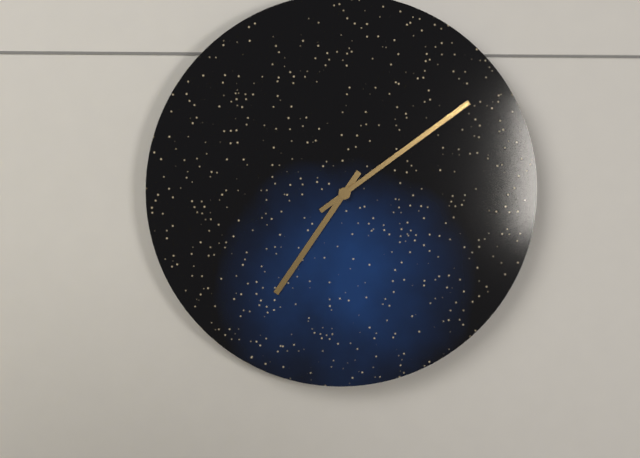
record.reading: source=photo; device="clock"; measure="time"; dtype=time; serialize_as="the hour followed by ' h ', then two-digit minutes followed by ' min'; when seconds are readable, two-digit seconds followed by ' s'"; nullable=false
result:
7 h 09 min
